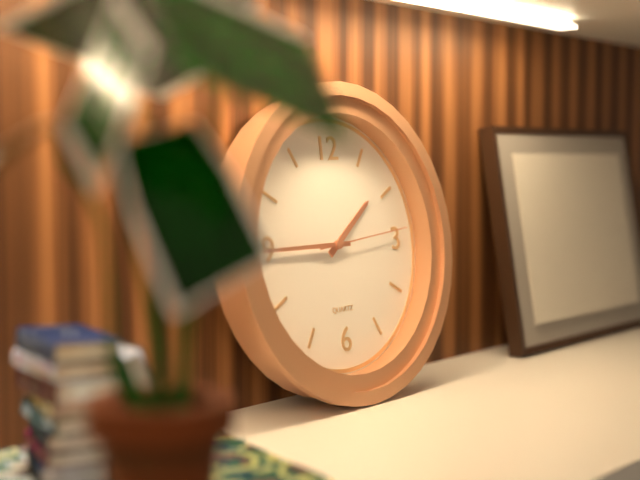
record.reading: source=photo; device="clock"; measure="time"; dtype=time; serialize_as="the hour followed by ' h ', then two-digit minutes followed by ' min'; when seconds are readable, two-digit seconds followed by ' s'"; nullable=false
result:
1 h 45 min 14 s
